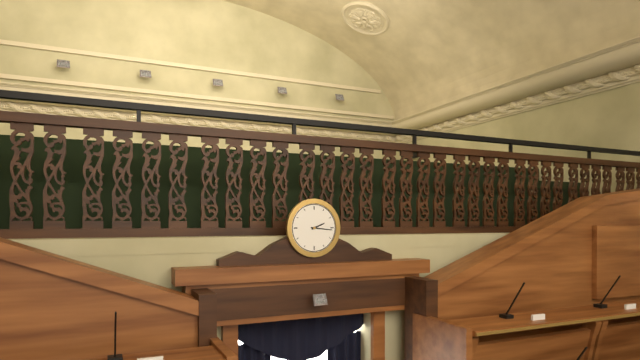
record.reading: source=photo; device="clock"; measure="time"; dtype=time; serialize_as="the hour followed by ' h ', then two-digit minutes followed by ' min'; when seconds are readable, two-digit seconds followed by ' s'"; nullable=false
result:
2 h 16 min
